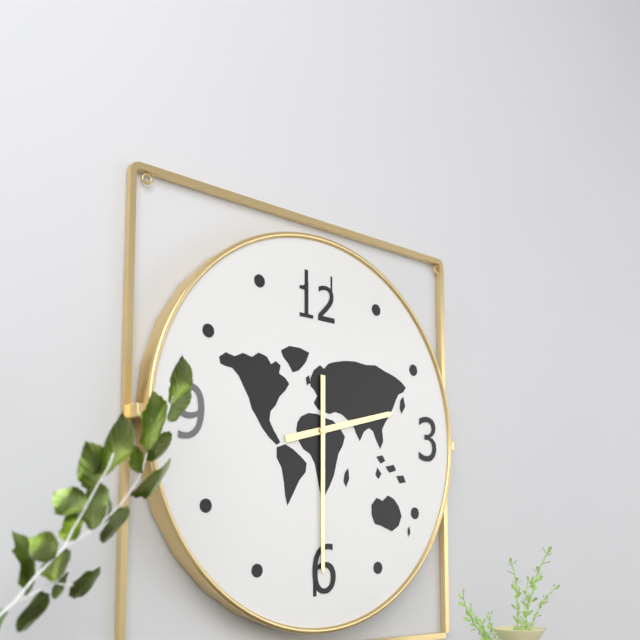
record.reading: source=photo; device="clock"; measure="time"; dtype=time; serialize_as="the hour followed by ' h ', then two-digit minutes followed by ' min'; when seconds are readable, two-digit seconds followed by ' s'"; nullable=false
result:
2 h 30 min
